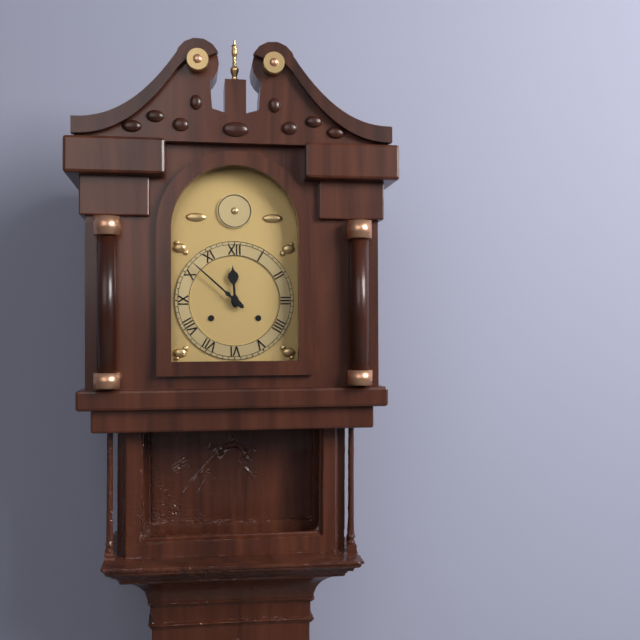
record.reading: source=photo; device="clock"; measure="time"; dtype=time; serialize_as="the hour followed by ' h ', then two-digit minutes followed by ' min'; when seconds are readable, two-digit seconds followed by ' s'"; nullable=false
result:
11 h 52 min
